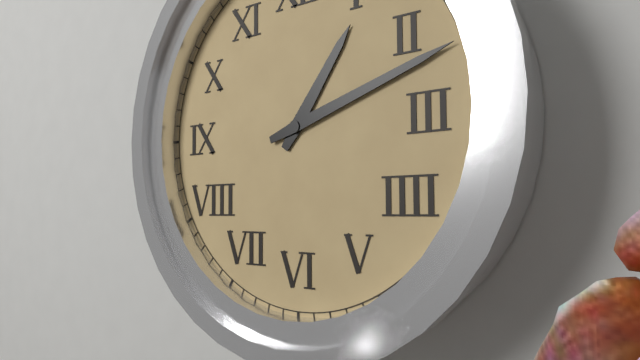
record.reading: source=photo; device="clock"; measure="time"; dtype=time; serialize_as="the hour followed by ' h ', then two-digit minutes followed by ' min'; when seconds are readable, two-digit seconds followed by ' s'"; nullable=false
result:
1 h 12 min
